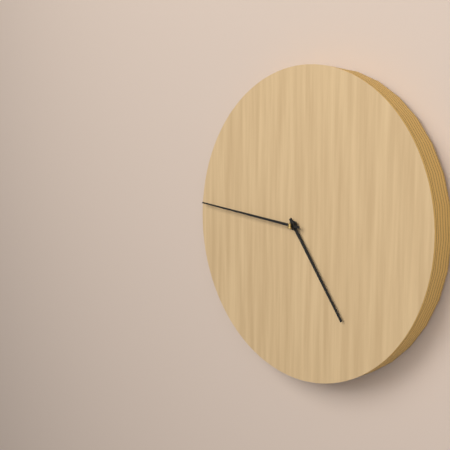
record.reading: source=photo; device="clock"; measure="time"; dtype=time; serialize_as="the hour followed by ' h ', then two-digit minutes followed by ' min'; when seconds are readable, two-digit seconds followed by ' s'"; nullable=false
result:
4 h 46 min
